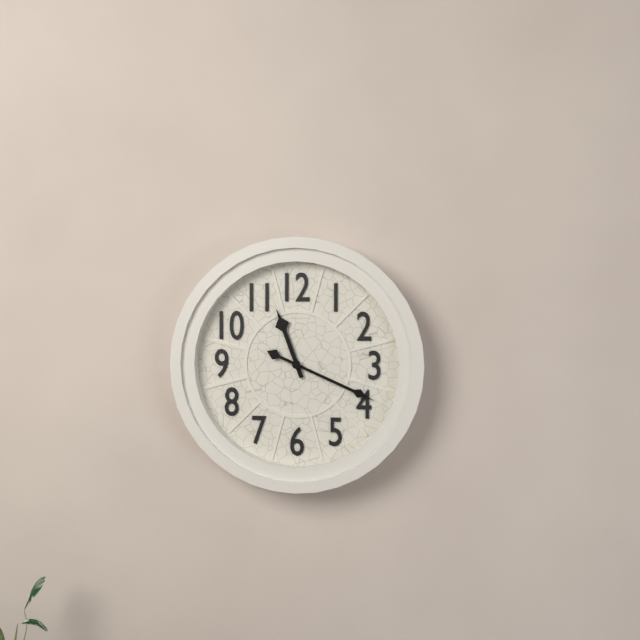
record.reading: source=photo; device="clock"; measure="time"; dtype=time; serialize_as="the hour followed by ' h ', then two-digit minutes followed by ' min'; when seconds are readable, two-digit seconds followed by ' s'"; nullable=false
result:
11 h 19 min
